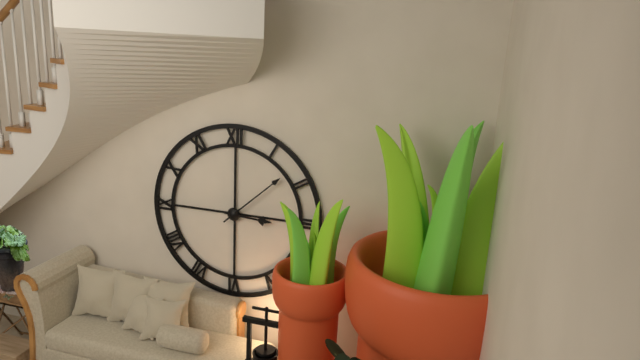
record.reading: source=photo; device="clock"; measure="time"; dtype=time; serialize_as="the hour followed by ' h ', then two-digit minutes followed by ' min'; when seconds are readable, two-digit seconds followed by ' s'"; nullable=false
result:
3 h 08 min
